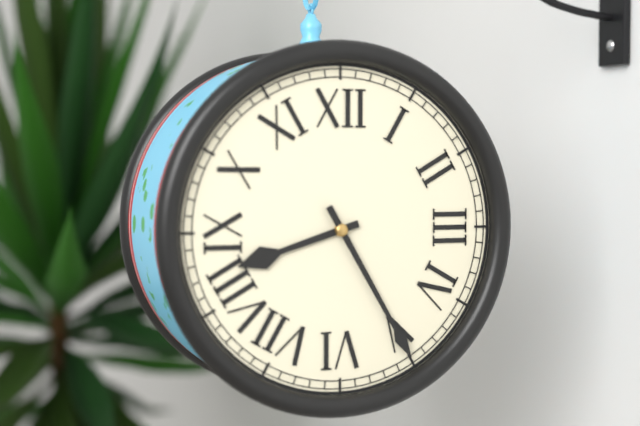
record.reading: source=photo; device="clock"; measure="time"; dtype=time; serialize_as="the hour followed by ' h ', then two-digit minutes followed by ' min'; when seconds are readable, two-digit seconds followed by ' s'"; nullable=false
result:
8 h 25 min
